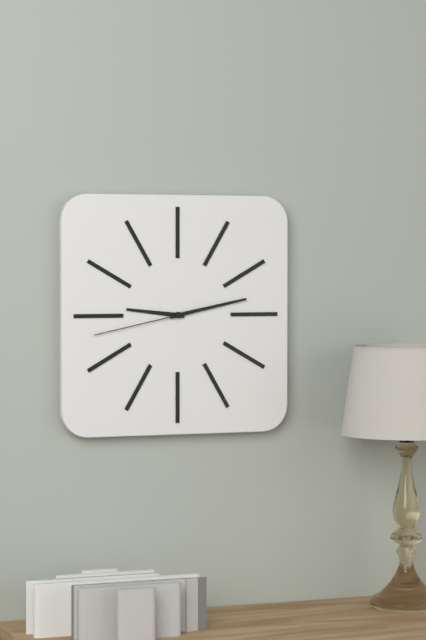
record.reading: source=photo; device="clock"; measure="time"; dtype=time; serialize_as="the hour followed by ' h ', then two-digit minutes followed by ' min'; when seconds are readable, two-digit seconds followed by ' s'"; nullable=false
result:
9 h 13 min 43 s
